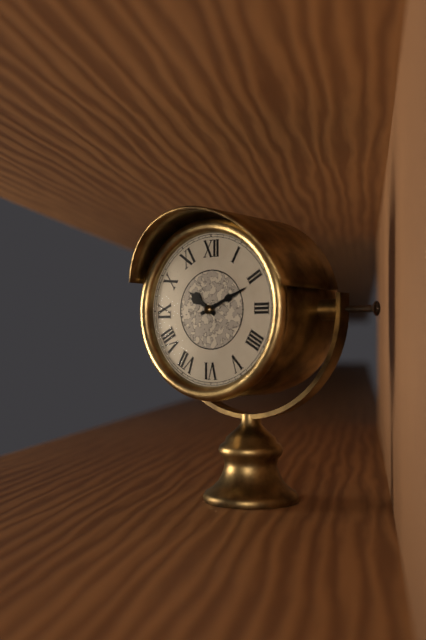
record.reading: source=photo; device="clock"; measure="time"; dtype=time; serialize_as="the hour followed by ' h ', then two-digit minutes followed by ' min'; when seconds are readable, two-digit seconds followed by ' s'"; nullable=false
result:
10 h 11 min
